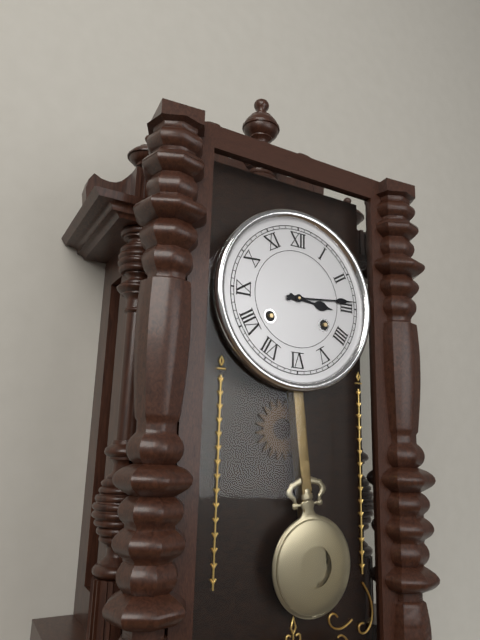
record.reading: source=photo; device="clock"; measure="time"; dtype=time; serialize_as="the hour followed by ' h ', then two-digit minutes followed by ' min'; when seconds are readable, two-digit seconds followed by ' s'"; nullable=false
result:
3 h 14 min
